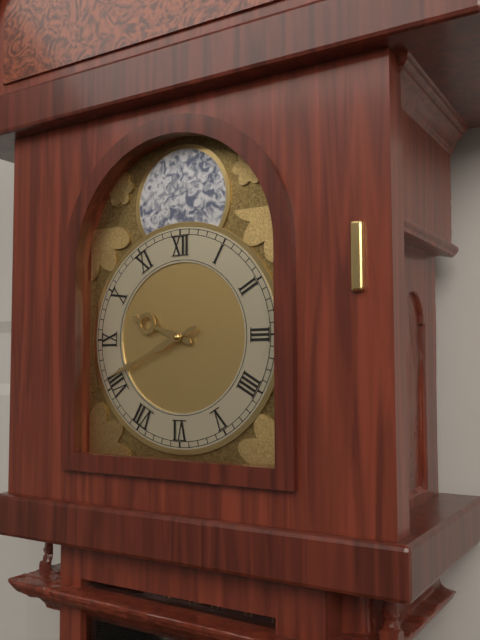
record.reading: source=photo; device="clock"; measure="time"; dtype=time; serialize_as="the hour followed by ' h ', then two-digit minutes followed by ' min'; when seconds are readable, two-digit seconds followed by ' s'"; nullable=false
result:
9 h 41 min
